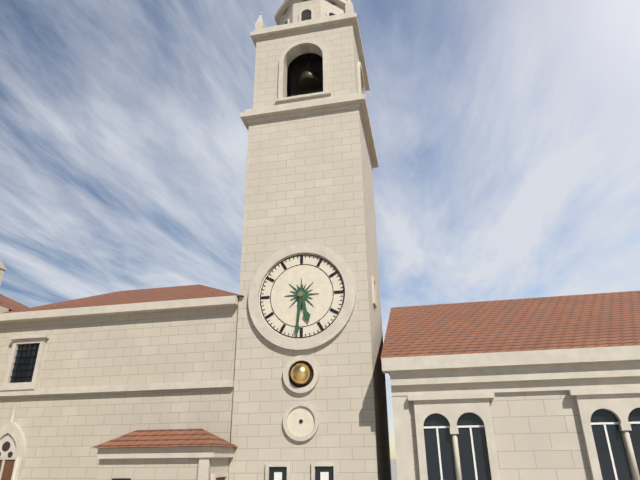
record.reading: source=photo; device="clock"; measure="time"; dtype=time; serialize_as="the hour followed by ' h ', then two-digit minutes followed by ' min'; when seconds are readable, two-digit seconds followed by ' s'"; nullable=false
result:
5 h 31 min
